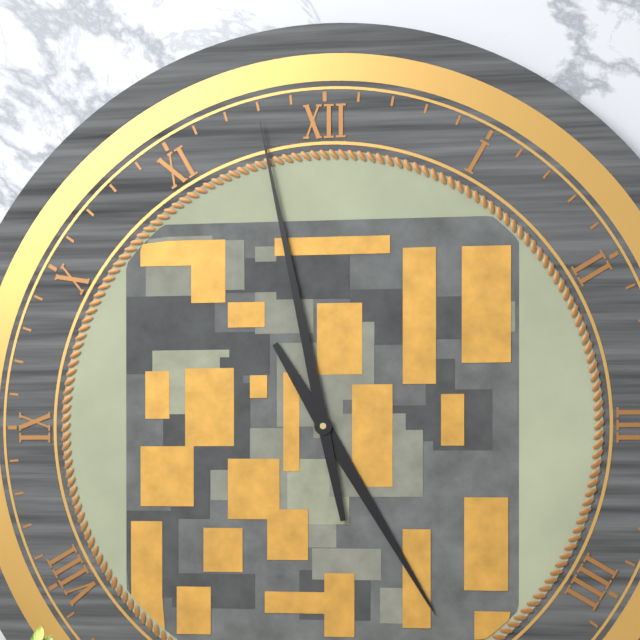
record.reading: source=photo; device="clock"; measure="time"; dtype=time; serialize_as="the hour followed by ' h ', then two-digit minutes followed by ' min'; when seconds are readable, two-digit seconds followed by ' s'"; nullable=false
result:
4 h 58 min
